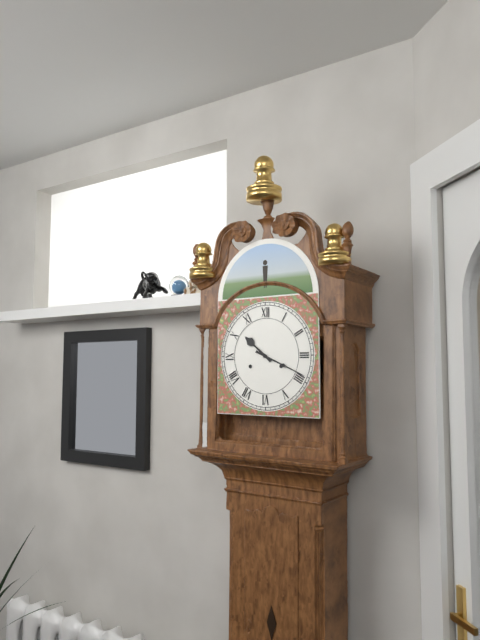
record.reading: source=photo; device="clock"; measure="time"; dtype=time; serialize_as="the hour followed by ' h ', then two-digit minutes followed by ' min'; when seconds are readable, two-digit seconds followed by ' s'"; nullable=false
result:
10 h 19 min
